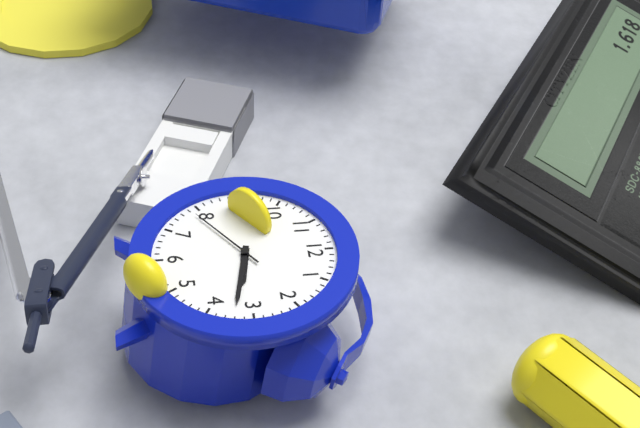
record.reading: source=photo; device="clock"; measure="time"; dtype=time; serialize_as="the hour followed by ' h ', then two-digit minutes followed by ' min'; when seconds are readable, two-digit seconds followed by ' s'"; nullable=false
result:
3 h 17 min 39 s
